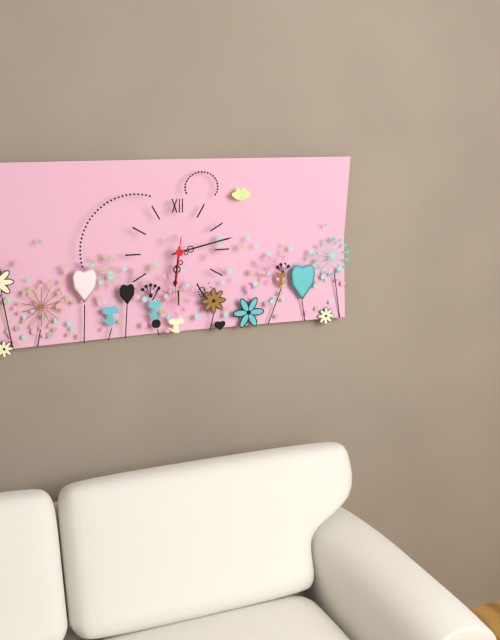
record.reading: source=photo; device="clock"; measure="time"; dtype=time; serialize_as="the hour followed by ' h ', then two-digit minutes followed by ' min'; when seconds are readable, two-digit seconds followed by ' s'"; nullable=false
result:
6 h 13 min 31 s
